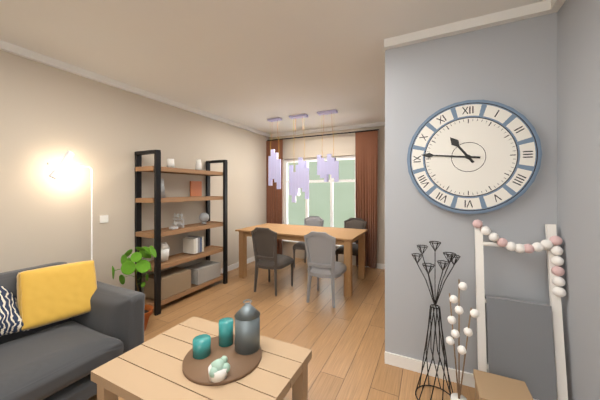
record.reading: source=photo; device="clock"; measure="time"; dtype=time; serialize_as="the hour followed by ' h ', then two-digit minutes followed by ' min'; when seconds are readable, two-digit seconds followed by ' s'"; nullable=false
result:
10 h 46 min
